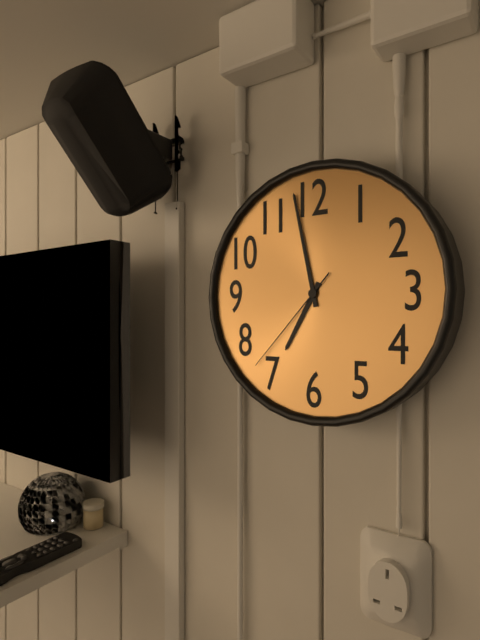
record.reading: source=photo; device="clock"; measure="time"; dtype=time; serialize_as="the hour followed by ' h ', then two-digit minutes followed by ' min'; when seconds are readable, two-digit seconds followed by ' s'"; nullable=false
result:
6 h 58 min 37 s
